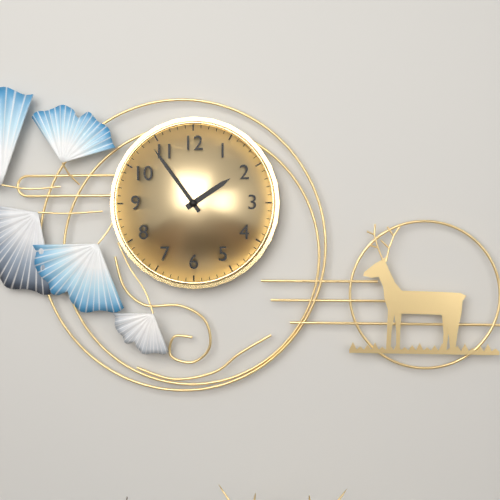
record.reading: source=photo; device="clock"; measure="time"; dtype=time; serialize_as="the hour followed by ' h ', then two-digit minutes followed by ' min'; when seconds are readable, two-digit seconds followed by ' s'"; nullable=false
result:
1 h 54 min
